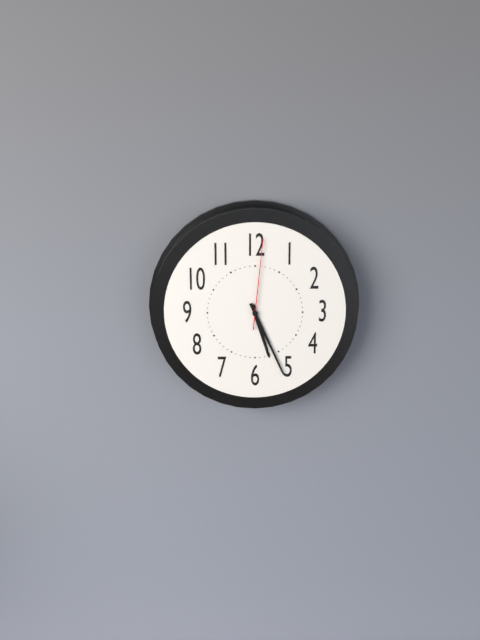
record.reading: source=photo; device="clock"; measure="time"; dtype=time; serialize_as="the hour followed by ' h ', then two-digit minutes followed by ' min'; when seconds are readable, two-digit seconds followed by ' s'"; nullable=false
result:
5 h 26 min 01 s
